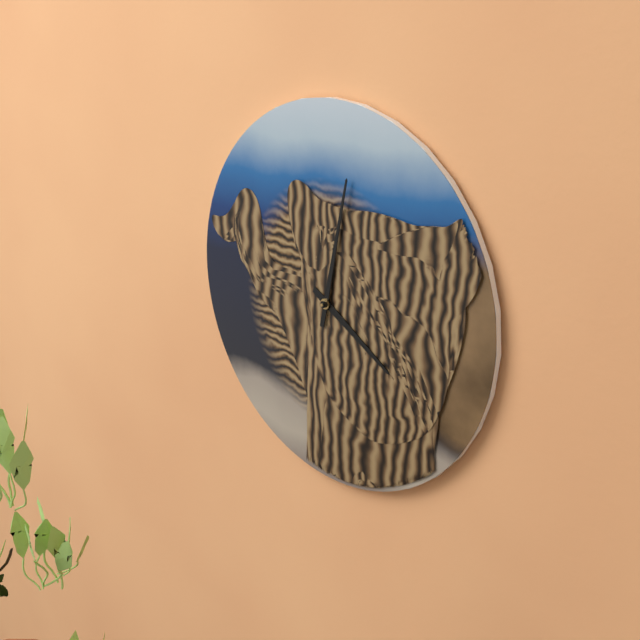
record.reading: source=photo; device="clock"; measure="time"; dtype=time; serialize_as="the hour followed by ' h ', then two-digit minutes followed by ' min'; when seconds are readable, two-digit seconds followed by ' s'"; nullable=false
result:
4 h 02 min
